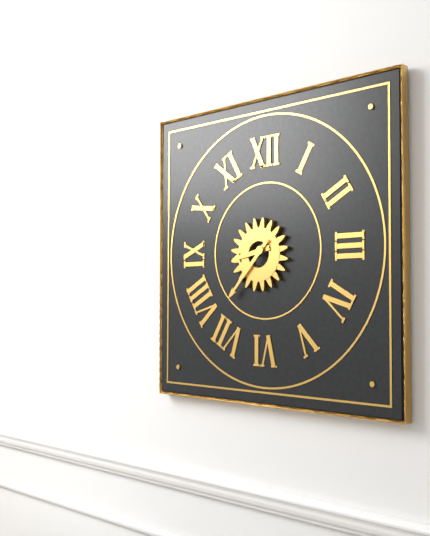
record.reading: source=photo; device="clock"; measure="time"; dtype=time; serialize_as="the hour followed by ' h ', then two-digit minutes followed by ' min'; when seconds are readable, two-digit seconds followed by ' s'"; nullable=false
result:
8 h 37 min
